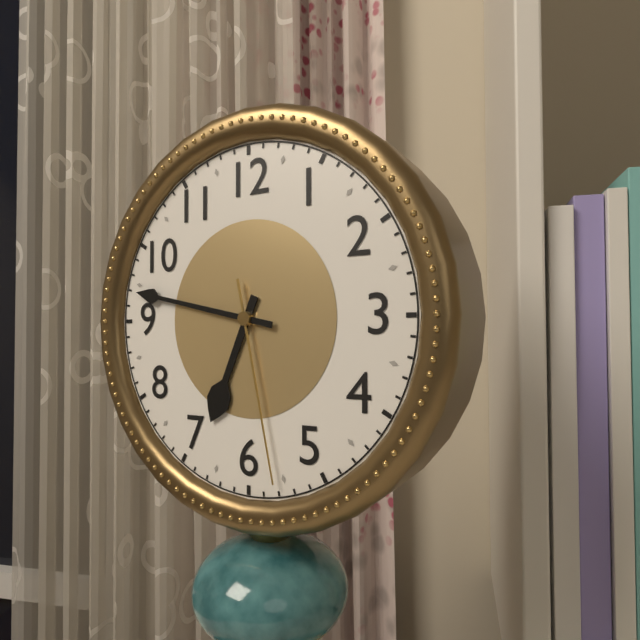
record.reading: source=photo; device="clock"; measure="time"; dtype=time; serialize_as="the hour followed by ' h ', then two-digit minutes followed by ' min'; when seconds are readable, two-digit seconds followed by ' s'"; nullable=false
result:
6 h 47 min 28 s
